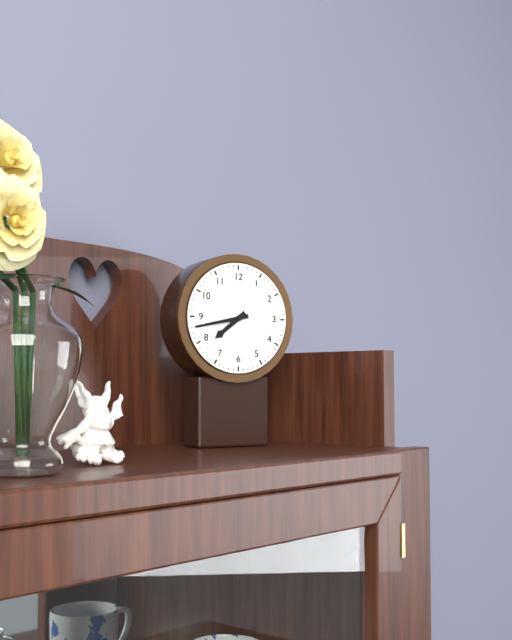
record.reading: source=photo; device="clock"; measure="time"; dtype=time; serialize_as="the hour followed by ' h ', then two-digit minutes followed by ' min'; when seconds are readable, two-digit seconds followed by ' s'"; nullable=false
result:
7 h 43 min
